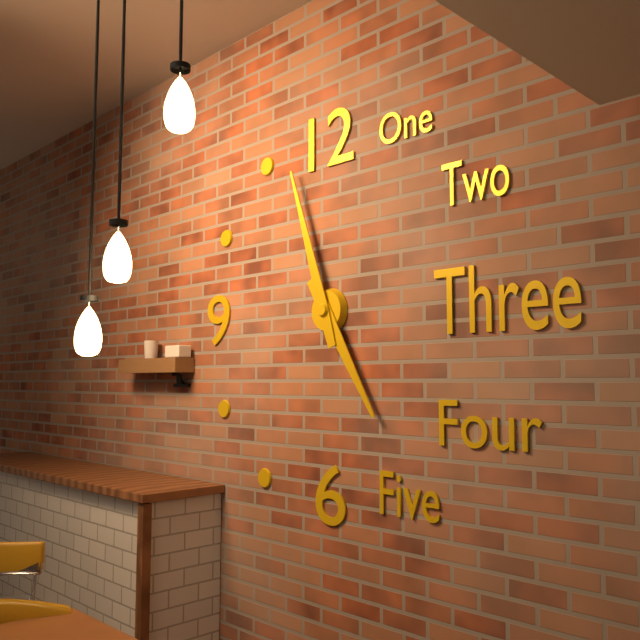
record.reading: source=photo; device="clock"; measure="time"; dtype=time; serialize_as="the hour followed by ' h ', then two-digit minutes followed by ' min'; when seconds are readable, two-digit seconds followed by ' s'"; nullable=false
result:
4 h 57 min
